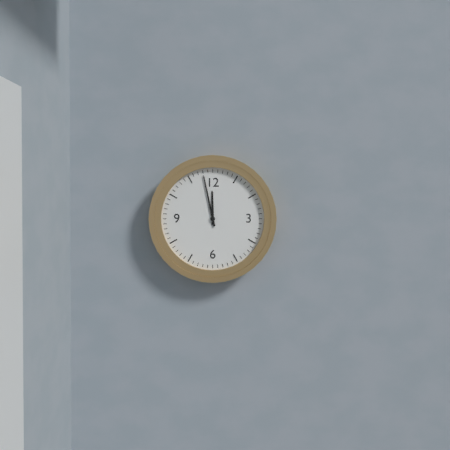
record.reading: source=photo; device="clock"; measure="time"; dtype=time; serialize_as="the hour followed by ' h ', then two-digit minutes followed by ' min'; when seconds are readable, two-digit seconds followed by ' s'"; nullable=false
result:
11 h 58 min
